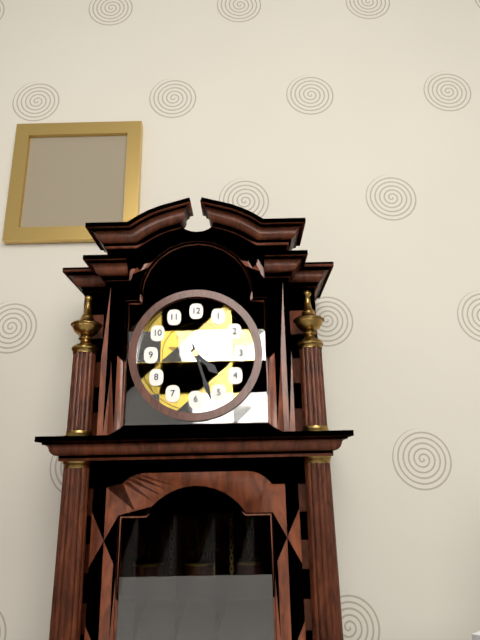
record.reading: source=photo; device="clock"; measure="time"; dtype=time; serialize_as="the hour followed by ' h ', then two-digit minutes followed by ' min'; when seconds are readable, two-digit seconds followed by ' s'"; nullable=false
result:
4 h 27 min
